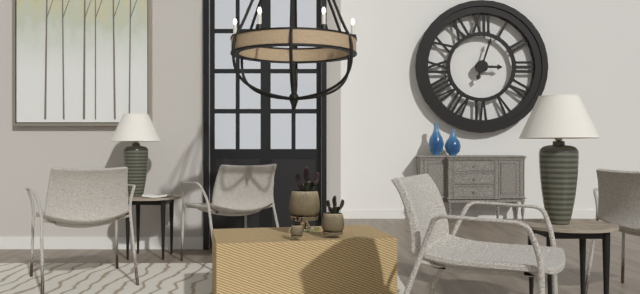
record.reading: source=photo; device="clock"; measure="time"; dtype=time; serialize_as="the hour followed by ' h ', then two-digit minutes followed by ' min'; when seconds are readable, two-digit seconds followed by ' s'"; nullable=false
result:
3 h 03 min
